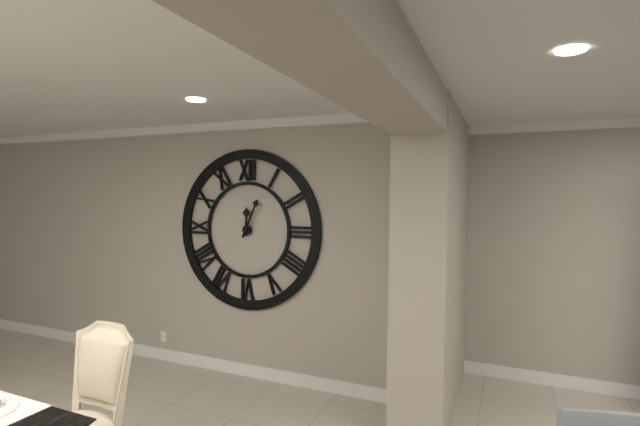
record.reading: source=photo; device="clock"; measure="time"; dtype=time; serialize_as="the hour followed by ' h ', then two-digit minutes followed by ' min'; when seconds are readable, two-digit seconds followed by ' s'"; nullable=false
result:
12 h 04 min
